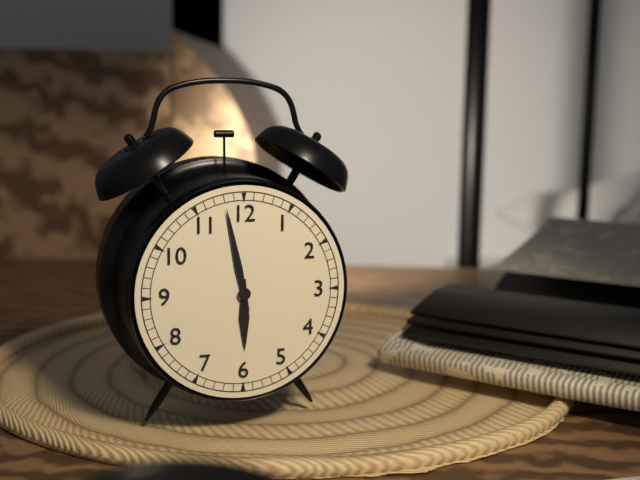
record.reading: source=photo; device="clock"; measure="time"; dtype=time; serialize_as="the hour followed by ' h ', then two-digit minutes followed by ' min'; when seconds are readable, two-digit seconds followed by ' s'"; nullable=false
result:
5 h 58 min
